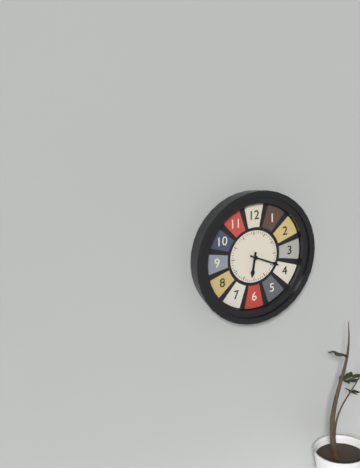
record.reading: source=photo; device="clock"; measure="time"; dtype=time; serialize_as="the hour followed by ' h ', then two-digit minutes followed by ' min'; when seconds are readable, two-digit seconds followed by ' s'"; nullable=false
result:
6 h 19 min
